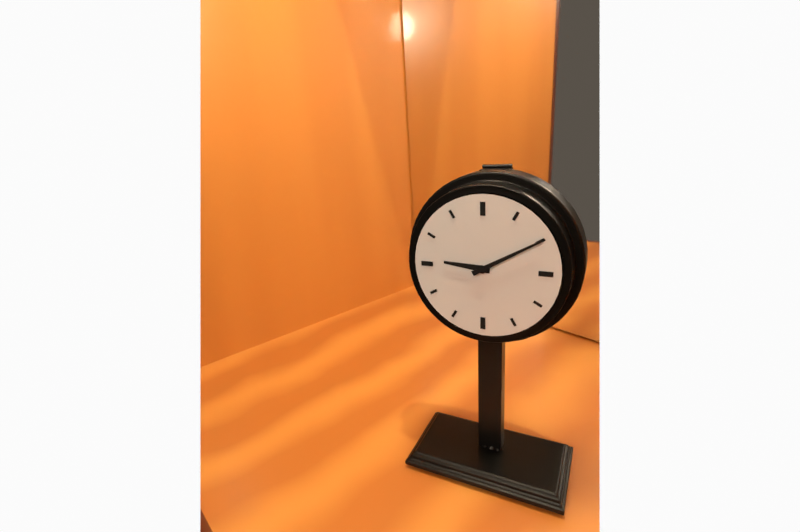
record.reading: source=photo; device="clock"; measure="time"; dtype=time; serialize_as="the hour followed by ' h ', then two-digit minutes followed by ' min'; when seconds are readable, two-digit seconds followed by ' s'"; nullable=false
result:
9 h 10 min
